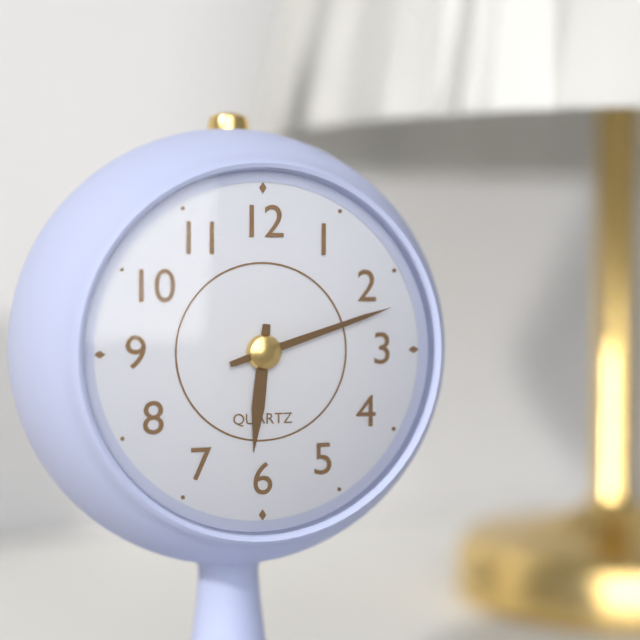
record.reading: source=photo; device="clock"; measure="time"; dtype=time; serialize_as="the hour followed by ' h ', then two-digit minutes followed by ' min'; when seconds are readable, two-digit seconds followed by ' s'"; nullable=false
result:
6 h 12 min
